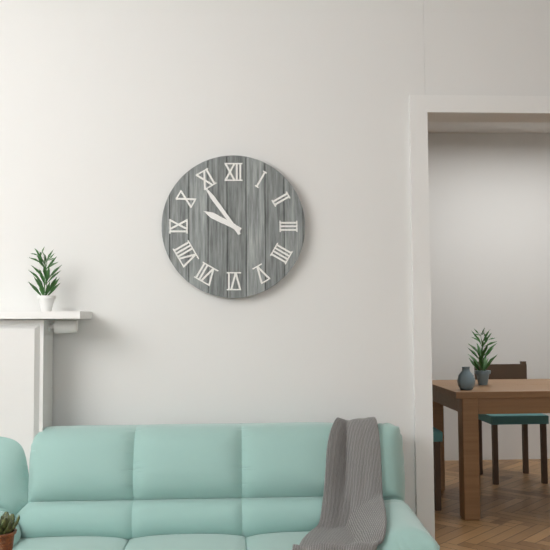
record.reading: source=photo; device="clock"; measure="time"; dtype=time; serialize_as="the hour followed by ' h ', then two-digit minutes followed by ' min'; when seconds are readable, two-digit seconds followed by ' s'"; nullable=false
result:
9 h 54 min
